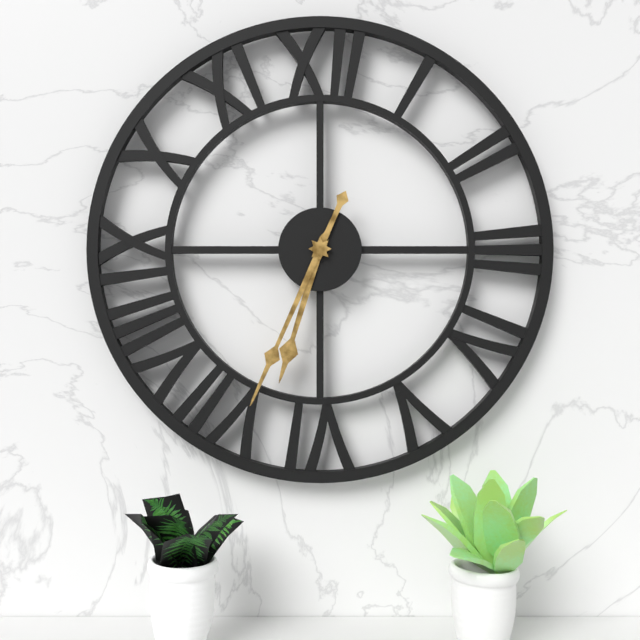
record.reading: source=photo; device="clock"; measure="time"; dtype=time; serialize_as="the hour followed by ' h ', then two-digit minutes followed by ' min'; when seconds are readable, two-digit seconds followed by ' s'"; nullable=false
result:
6 h 34 min
